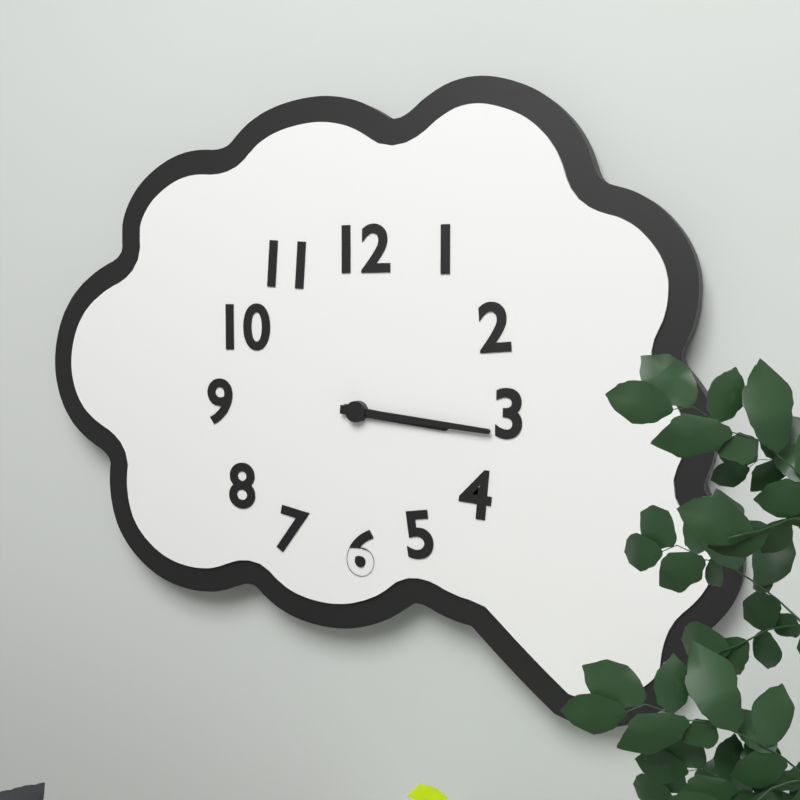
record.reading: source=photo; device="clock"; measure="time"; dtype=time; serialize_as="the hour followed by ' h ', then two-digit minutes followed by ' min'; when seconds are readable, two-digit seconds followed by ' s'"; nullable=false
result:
3 h 16 min
